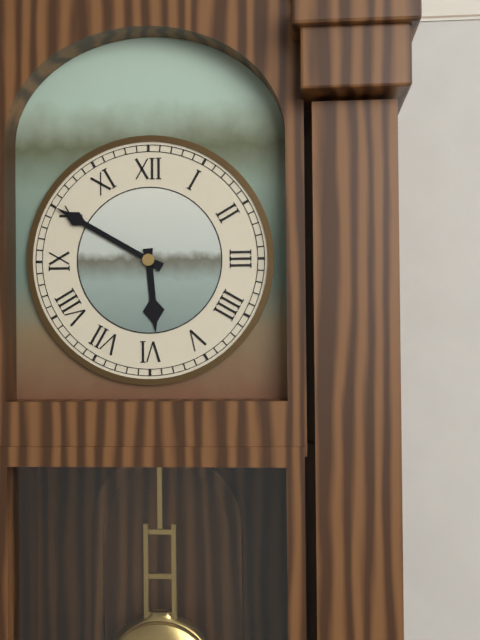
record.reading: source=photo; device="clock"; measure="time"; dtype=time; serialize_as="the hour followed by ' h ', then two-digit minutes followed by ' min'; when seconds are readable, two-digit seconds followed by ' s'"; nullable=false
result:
5 h 50 min
